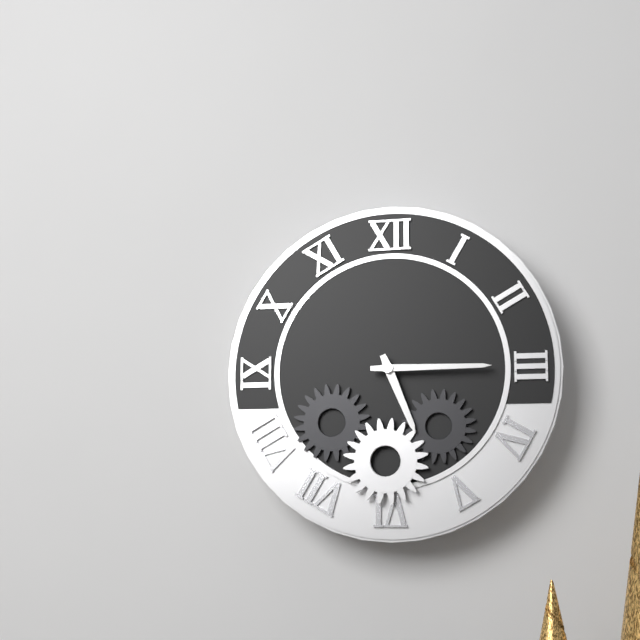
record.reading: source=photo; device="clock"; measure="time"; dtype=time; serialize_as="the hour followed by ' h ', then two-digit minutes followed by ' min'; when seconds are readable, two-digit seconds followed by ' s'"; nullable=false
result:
5 h 15 min
